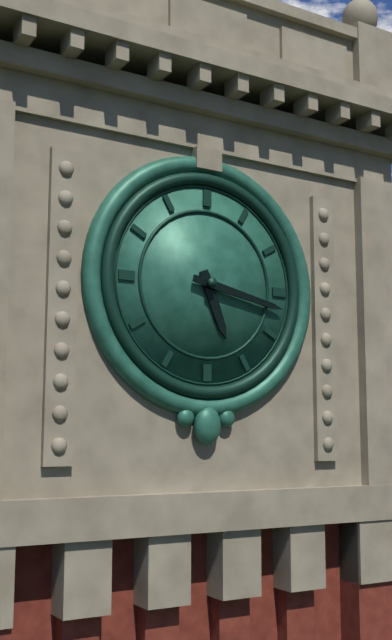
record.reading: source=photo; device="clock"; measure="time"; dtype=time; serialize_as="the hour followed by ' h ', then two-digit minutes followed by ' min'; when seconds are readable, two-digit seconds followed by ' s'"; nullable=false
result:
5 h 17 min
